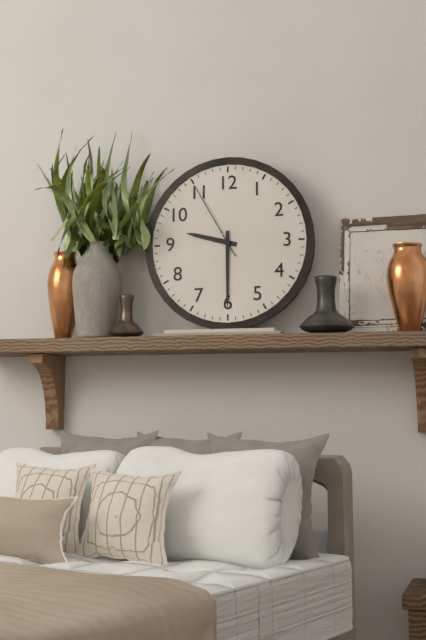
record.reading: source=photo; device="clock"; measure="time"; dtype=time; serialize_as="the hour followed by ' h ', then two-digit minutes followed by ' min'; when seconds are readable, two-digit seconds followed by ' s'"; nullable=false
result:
9 h 30 min 55 s
